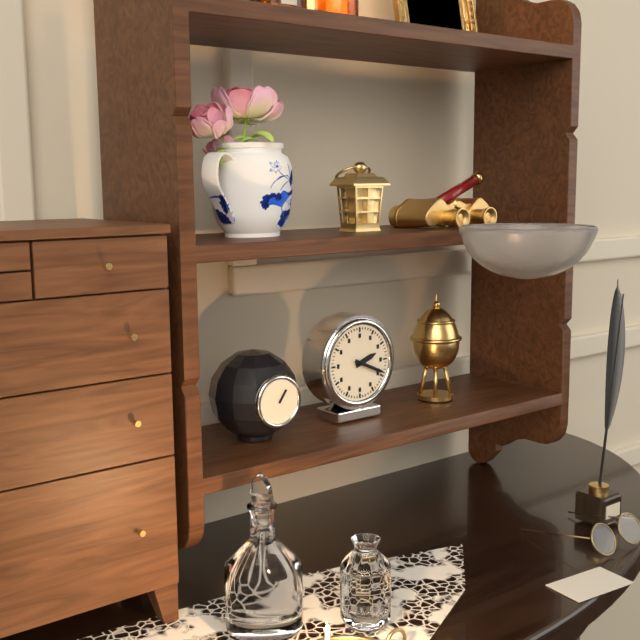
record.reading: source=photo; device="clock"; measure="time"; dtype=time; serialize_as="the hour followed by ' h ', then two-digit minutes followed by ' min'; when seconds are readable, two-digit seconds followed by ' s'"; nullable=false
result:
2 h 19 min
